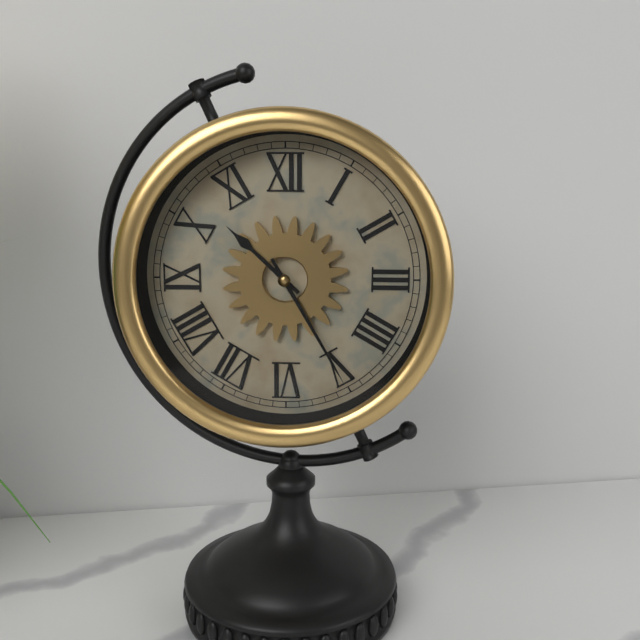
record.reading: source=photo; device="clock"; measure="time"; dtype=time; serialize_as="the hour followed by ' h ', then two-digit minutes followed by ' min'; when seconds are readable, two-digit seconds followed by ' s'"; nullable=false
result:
10 h 25 min
